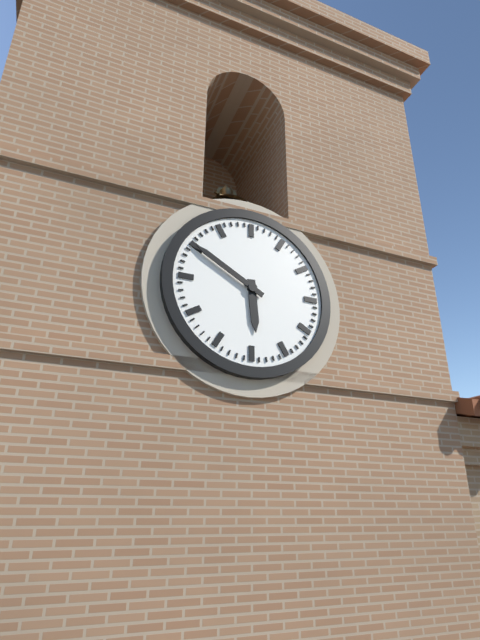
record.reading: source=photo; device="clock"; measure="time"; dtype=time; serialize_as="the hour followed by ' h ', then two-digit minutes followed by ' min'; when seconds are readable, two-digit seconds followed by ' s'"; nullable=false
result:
5 h 50 min
